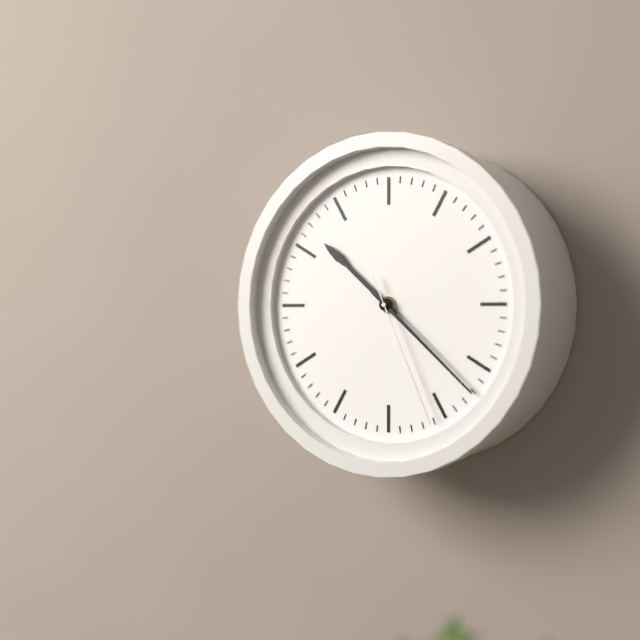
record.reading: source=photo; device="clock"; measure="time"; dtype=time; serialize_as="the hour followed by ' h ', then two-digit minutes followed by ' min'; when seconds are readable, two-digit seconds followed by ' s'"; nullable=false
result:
10 h 22 min 26 s
